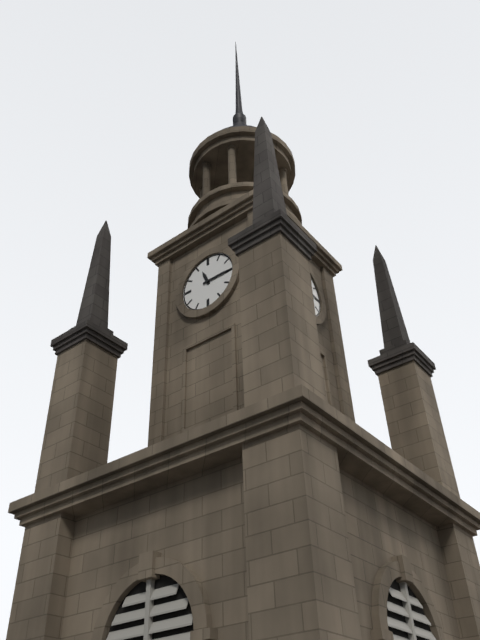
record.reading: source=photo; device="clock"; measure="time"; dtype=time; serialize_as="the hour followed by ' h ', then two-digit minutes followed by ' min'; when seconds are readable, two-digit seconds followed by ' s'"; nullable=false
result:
11 h 15 min
